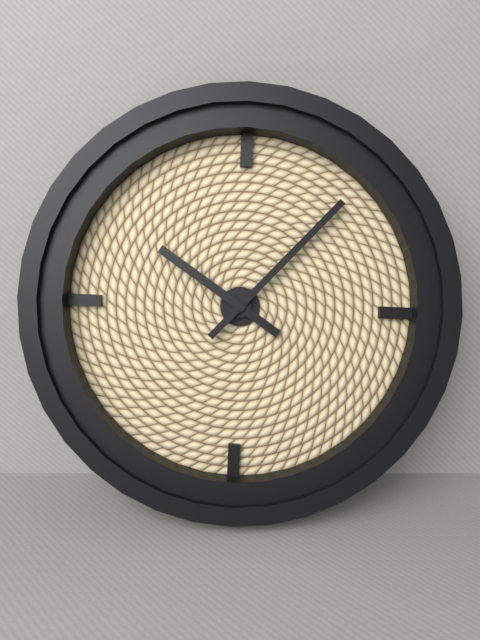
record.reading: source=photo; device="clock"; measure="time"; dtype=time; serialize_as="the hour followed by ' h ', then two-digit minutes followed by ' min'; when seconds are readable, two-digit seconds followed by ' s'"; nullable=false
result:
10 h 07 min
